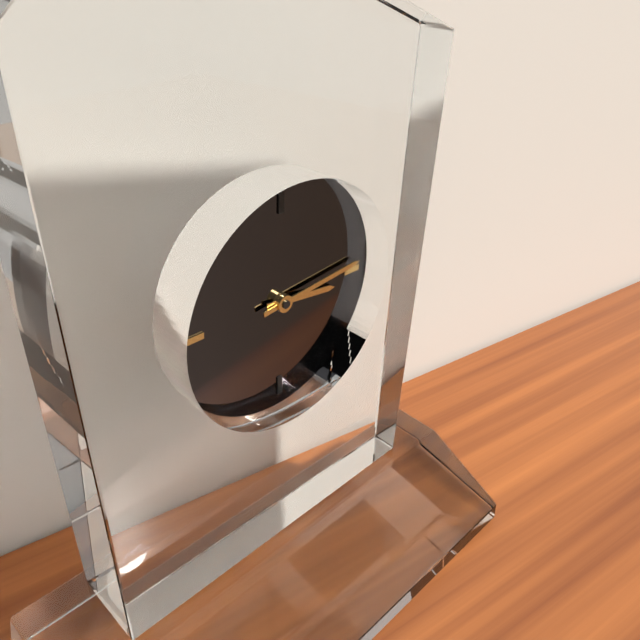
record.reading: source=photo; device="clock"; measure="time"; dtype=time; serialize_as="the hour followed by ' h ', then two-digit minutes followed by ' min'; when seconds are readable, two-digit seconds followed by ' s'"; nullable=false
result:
3 h 14 min
